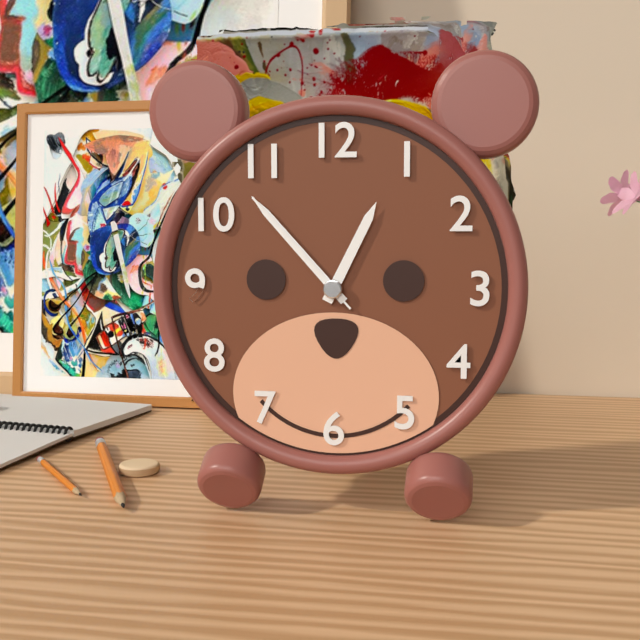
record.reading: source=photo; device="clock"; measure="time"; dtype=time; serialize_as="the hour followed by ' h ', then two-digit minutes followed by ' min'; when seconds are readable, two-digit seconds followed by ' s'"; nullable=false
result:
12 h 53 min 53 s
